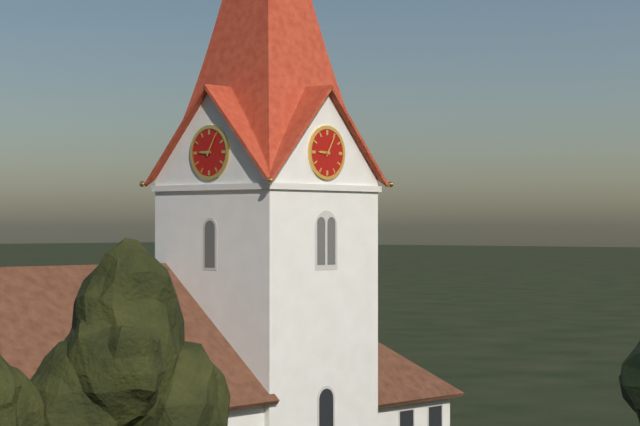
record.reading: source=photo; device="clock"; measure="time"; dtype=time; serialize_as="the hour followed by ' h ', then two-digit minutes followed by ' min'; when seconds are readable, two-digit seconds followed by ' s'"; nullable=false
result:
9 h 05 min
